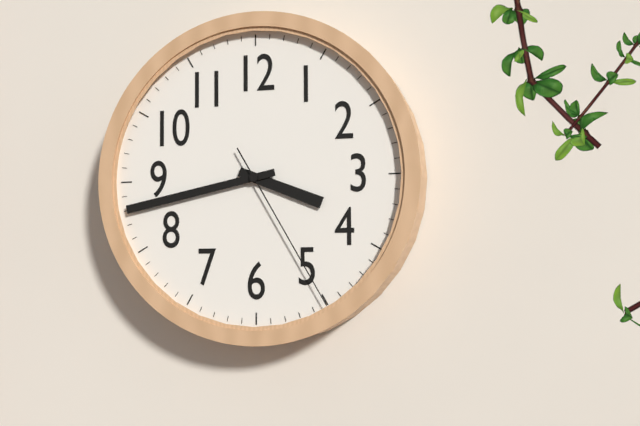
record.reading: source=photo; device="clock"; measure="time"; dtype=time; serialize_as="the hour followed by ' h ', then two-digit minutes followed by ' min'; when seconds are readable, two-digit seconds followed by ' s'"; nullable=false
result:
3 h 43 min 25 s
